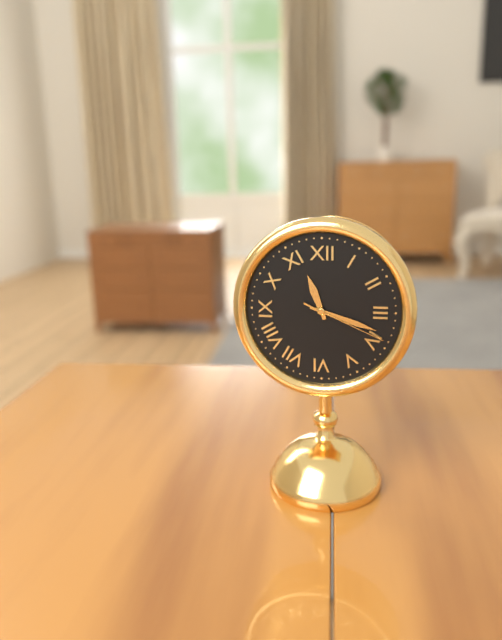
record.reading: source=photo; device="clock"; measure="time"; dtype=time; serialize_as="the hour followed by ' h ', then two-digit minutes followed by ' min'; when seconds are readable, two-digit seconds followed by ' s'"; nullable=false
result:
11 h 18 min 19 s
